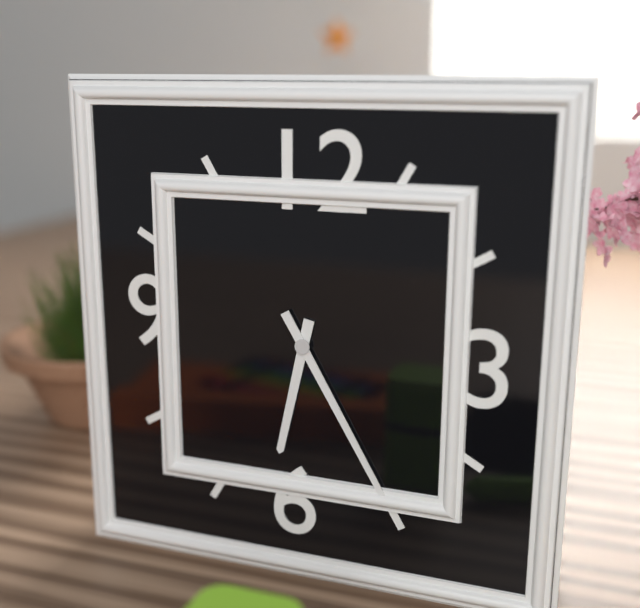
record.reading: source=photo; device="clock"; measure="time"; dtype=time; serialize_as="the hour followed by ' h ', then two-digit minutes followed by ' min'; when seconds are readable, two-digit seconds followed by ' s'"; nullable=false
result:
6 h 25 min
